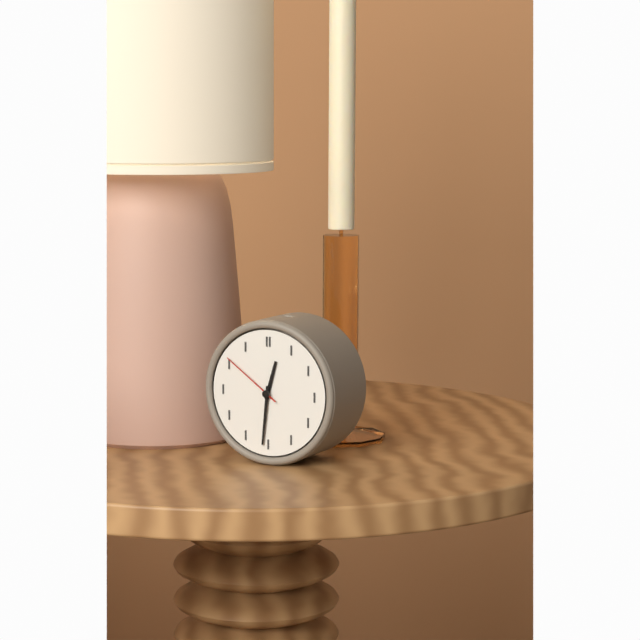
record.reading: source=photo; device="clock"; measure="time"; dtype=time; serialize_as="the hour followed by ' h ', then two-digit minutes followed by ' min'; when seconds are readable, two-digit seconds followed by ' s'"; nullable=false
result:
12 h 31 min 51 s
